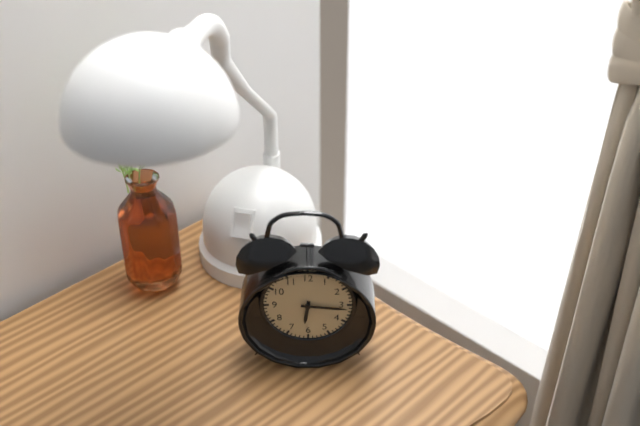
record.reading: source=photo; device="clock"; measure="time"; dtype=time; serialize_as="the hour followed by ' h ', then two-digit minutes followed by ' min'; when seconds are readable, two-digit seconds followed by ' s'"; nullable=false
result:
6 h 16 min
